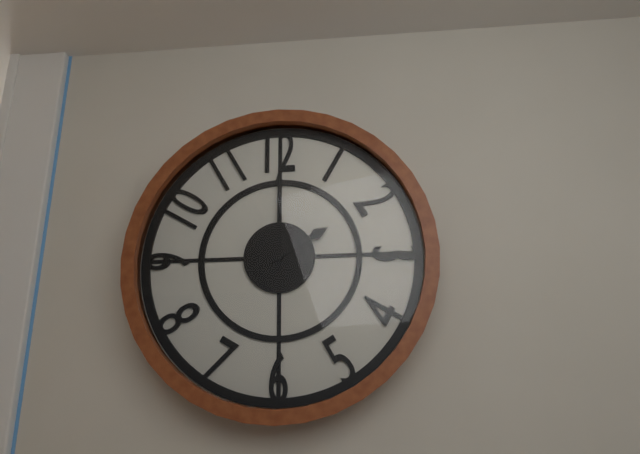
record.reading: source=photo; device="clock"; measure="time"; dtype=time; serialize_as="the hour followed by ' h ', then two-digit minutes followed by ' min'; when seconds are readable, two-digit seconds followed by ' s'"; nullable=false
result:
2 h 00 min
